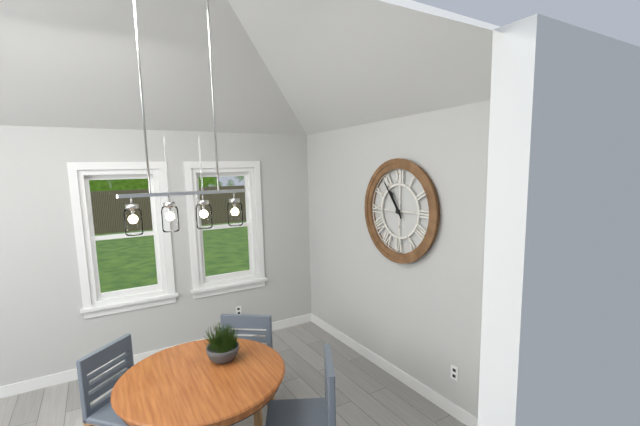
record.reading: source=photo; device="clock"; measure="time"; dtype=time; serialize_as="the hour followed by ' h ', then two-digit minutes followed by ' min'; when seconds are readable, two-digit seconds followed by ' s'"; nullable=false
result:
10 h 54 min
